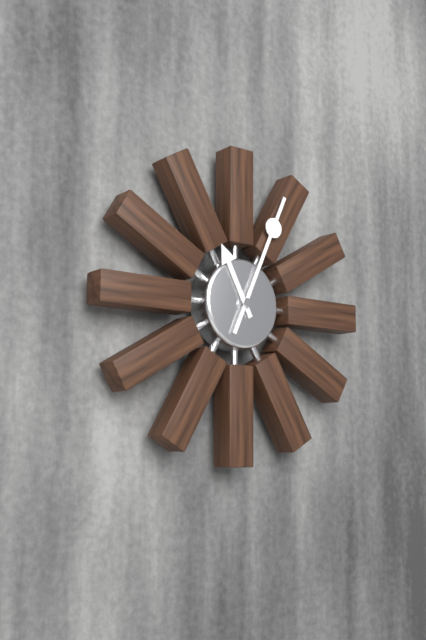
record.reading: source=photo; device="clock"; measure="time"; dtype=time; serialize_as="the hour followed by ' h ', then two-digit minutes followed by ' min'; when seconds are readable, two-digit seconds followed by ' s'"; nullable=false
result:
11 h 04 min
